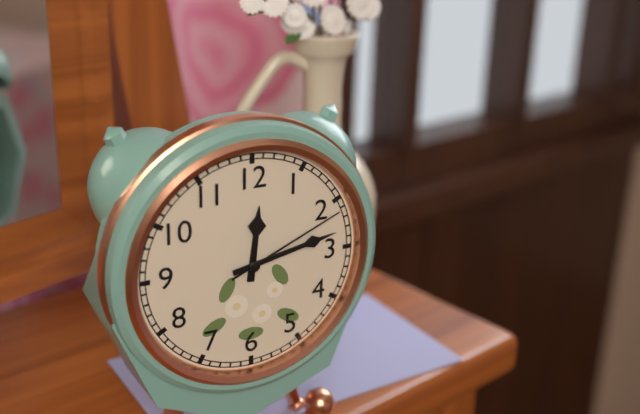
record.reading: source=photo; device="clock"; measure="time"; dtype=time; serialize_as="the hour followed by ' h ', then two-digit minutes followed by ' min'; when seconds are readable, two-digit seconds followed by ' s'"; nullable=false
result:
12 h 13 min 11 s
